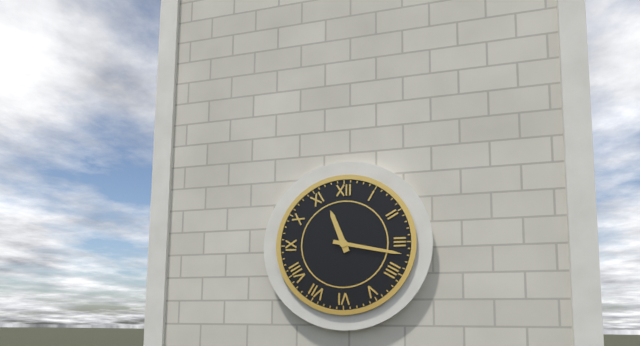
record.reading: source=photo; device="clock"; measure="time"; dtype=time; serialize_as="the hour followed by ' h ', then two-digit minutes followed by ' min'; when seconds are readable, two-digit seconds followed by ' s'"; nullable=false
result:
11 h 17 min
